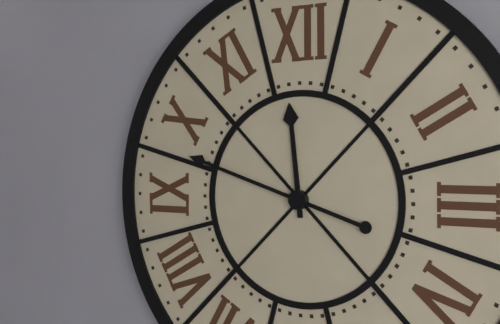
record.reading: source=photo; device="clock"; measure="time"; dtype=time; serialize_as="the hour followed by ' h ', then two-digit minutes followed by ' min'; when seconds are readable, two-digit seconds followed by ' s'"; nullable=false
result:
11 h 48 min
